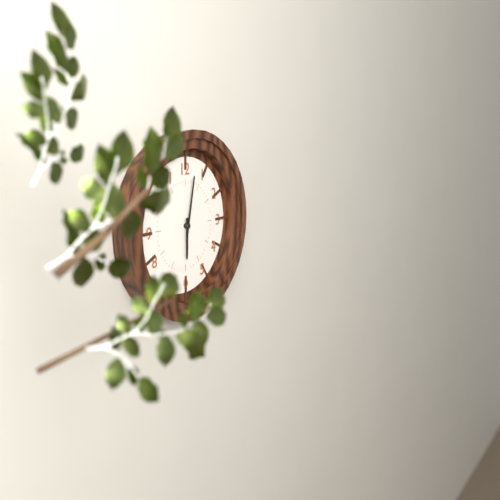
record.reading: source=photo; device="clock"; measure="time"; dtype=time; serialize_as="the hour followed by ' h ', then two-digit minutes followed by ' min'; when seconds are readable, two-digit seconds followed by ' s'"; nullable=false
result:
6 h 02 min
